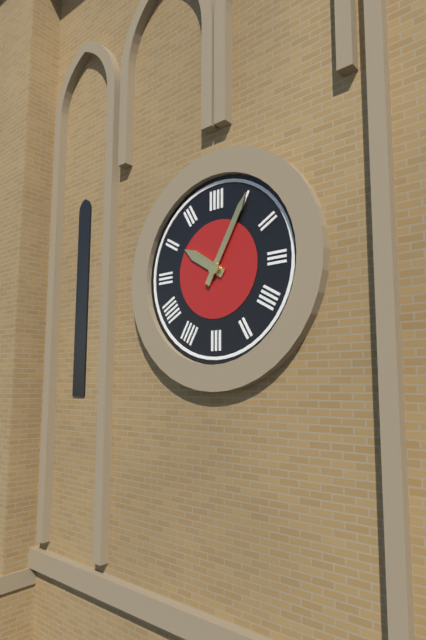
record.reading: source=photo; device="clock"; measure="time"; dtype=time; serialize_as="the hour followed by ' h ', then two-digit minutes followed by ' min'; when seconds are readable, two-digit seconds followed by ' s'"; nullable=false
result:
10 h 05 min
